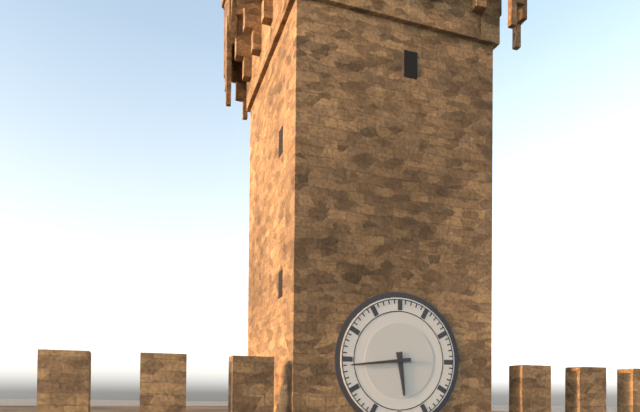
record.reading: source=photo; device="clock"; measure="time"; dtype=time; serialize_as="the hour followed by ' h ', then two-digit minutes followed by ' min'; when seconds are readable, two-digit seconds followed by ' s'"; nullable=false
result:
5 h 44 min
